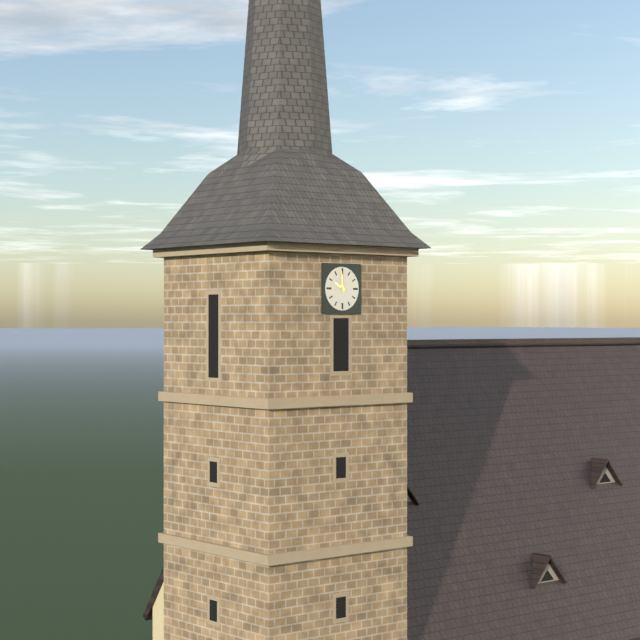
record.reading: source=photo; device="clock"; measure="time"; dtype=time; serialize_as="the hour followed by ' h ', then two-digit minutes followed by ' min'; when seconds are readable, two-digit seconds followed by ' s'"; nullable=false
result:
9 h 59 min
